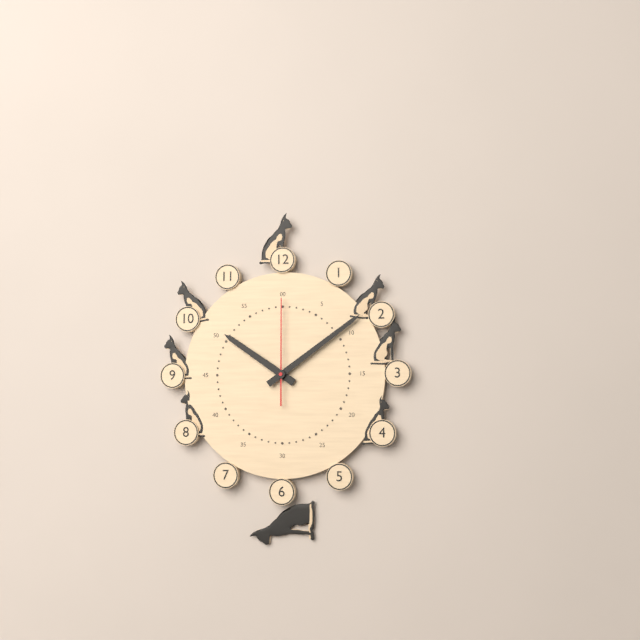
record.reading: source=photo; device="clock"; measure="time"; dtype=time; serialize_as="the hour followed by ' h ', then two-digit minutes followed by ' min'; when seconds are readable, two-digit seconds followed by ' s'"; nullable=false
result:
10 h 09 min 00 s
